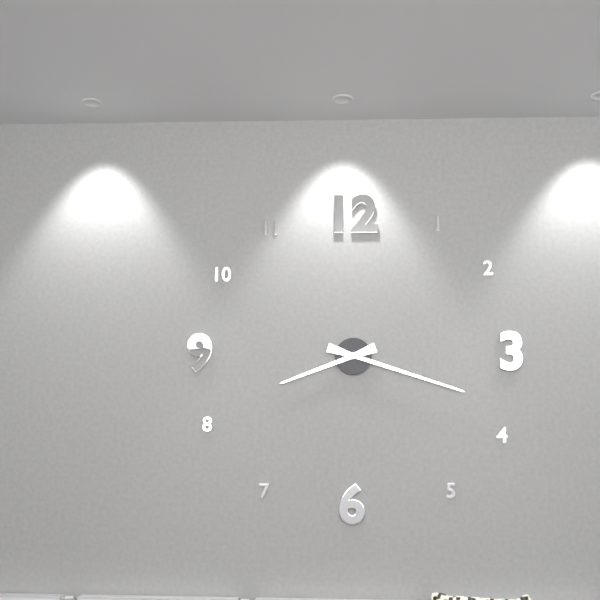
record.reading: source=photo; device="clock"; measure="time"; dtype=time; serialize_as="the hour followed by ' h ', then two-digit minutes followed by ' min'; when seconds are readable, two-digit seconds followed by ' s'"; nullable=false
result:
8 h 18 min
